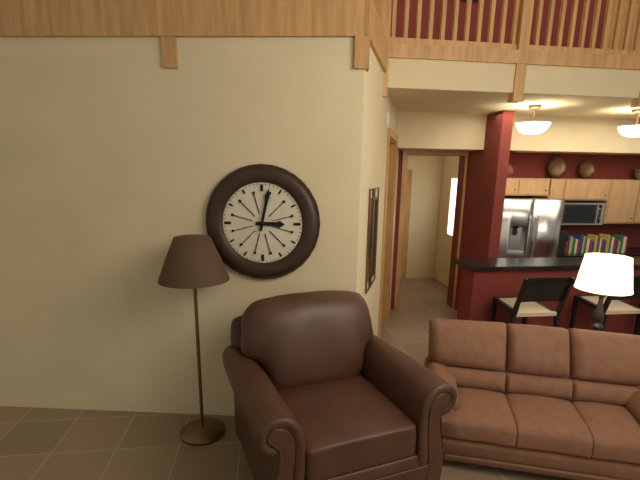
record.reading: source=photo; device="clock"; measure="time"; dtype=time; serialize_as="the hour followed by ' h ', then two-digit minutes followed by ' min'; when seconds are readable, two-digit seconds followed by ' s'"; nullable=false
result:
3 h 02 min
